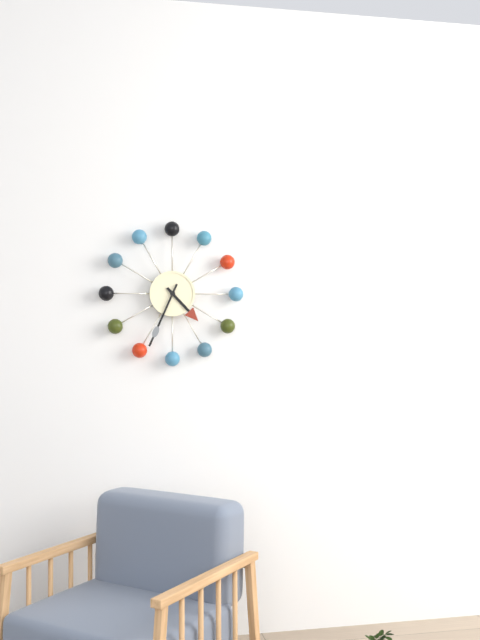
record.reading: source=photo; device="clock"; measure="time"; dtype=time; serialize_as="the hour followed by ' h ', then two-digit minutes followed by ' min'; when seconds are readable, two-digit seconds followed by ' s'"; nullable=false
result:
4 h 34 min
